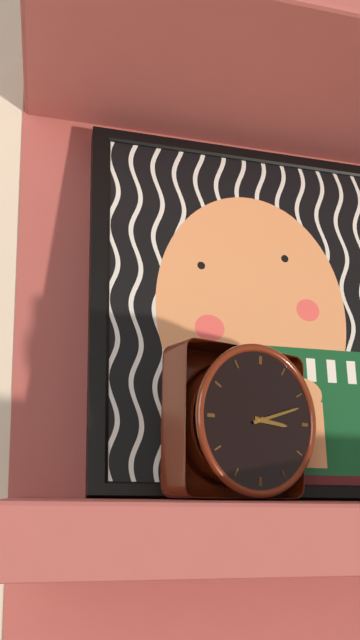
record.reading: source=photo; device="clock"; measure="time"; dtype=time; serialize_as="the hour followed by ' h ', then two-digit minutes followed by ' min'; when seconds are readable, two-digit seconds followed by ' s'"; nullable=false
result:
3 h 12 min
